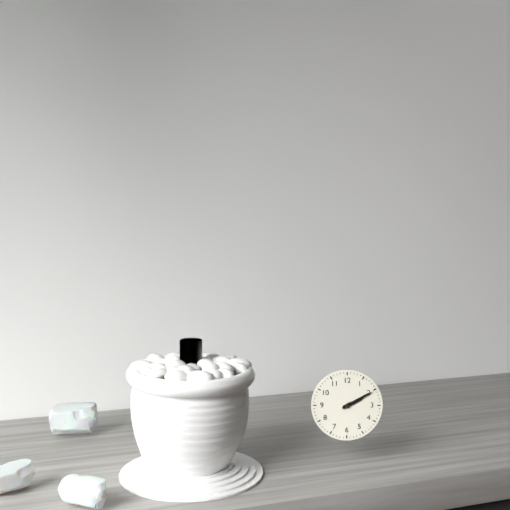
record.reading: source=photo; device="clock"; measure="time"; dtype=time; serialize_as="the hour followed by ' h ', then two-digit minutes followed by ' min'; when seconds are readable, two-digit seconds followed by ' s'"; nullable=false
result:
2 h 10 min
